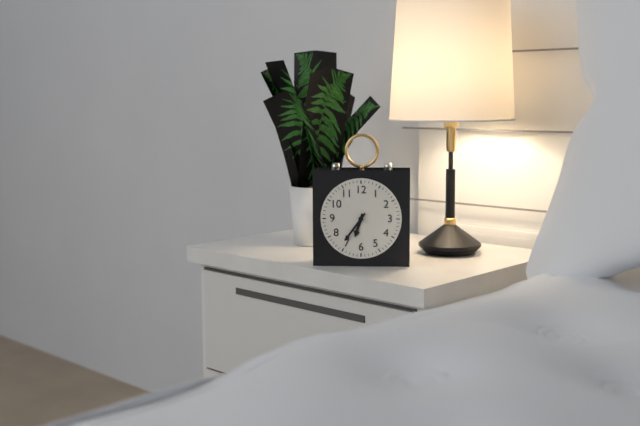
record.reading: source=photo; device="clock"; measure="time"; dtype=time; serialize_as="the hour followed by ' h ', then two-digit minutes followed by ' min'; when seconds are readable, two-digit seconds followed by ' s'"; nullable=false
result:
6 h 36 min
